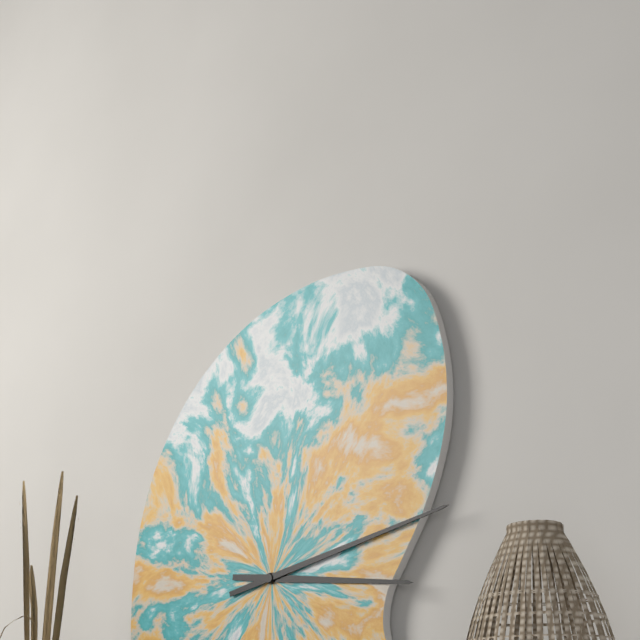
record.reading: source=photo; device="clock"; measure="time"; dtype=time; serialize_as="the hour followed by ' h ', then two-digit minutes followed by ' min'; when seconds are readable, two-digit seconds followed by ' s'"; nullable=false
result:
3 h 13 min
